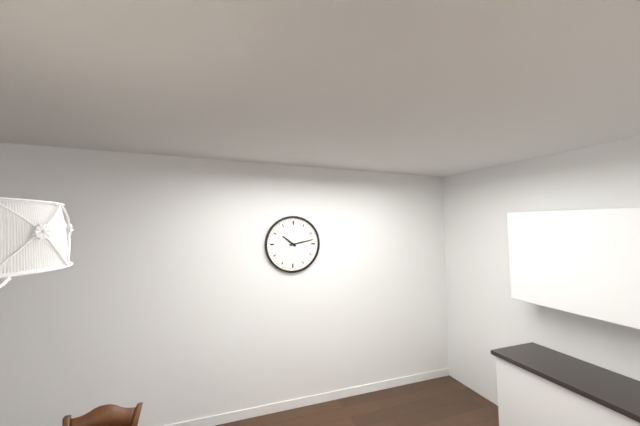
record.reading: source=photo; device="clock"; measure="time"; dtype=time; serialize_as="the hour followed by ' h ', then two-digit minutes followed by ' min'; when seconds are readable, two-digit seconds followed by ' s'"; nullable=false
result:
10 h 13 min
